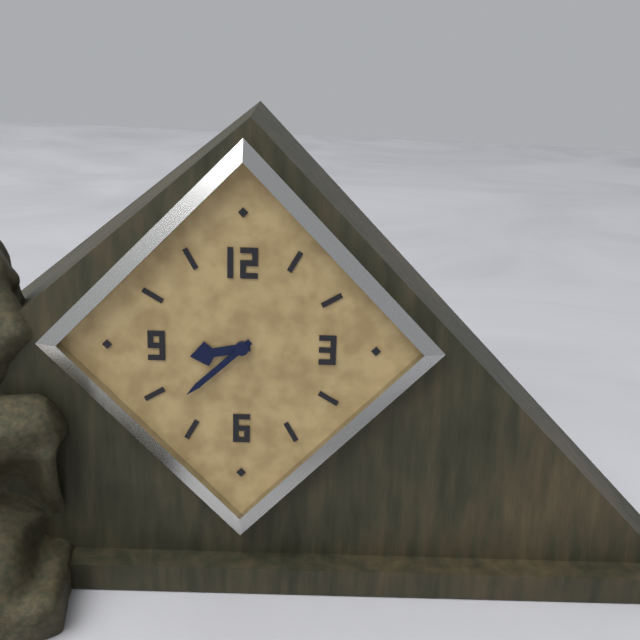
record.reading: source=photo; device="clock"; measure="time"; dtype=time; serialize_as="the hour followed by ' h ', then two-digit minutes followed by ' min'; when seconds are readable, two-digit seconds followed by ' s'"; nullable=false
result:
8 h 38 min
